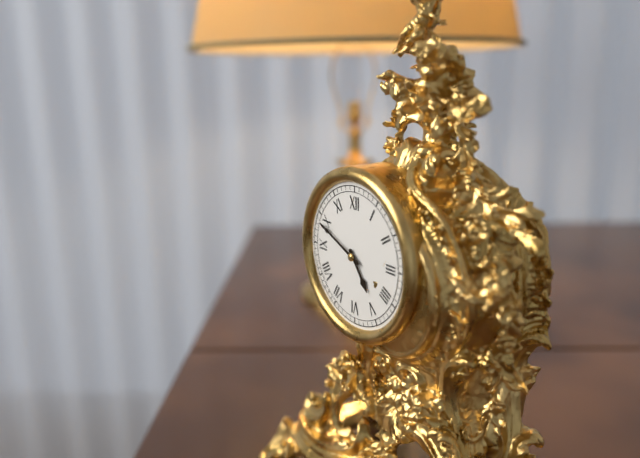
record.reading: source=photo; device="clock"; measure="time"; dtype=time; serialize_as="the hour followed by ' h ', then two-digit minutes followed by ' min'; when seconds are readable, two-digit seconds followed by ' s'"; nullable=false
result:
4 h 49 min
